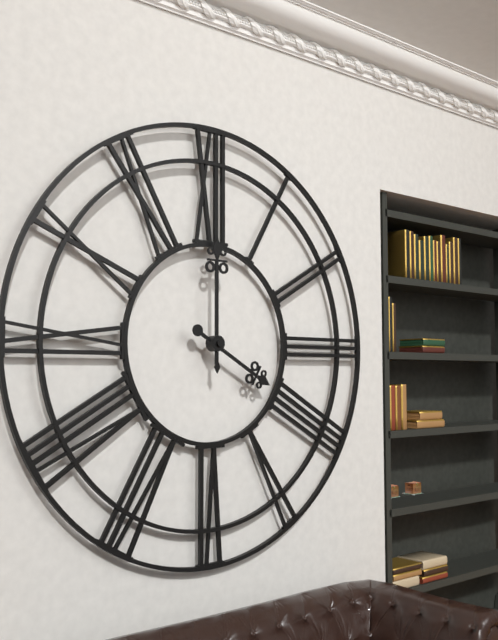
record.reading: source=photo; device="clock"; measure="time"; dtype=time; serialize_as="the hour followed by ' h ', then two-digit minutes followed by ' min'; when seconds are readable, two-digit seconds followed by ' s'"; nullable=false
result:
4 h 00 min
